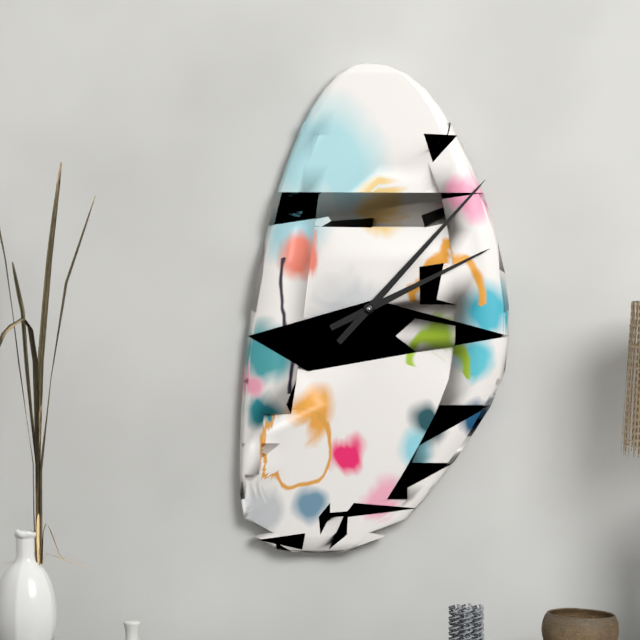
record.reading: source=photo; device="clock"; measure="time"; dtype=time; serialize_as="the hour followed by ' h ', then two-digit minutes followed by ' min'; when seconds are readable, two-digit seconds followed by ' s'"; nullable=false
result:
2 h 07 min
